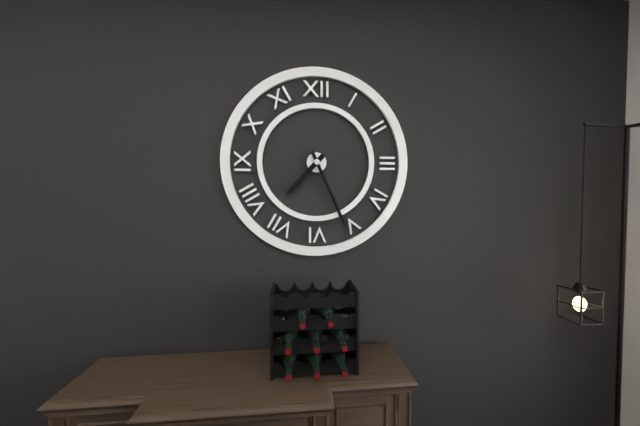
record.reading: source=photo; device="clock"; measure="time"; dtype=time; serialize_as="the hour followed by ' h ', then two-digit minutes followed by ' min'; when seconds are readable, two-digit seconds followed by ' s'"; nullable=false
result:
7 h 26 min
